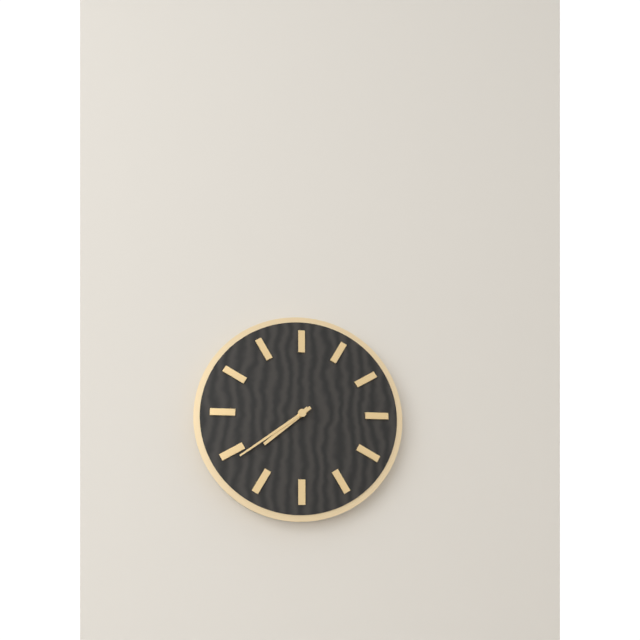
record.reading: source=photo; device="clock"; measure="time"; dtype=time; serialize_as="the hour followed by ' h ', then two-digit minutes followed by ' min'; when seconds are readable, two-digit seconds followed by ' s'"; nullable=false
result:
7 h 39 min
